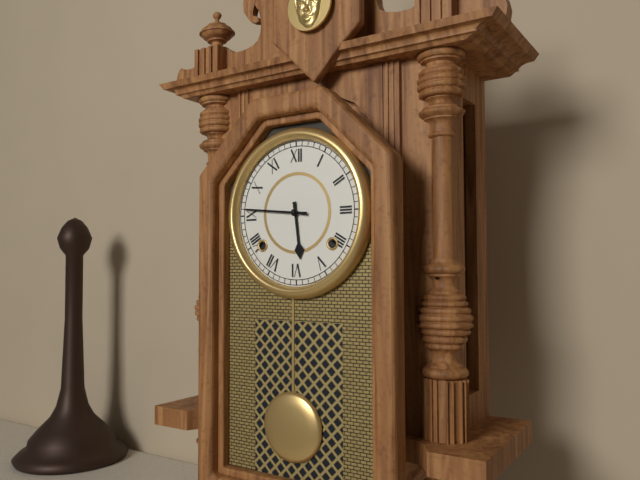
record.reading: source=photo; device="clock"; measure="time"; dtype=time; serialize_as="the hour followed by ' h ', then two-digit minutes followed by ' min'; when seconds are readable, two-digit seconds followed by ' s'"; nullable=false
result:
5 h 46 min
